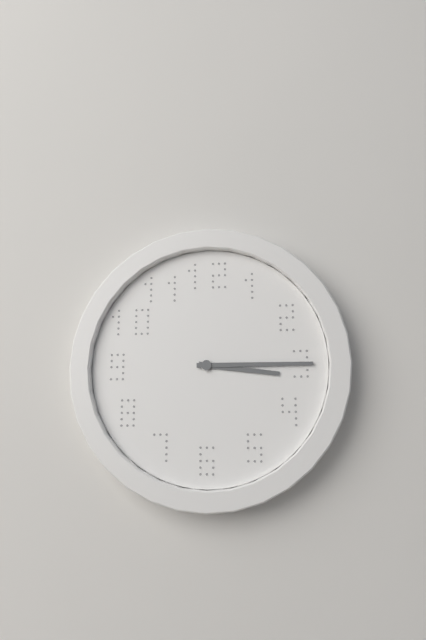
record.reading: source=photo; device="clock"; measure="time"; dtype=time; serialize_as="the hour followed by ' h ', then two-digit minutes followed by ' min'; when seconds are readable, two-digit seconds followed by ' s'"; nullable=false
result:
3 h 15 min
